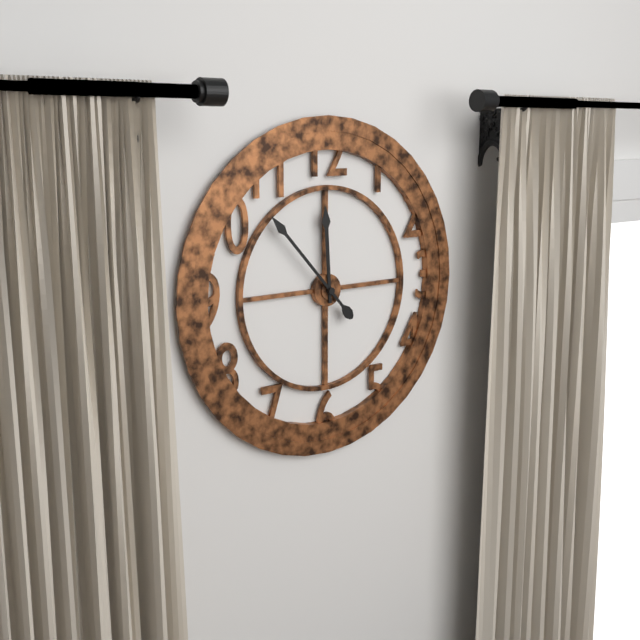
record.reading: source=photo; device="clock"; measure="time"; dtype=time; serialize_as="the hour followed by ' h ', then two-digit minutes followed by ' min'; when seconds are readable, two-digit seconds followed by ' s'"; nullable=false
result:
11 h 53 min
